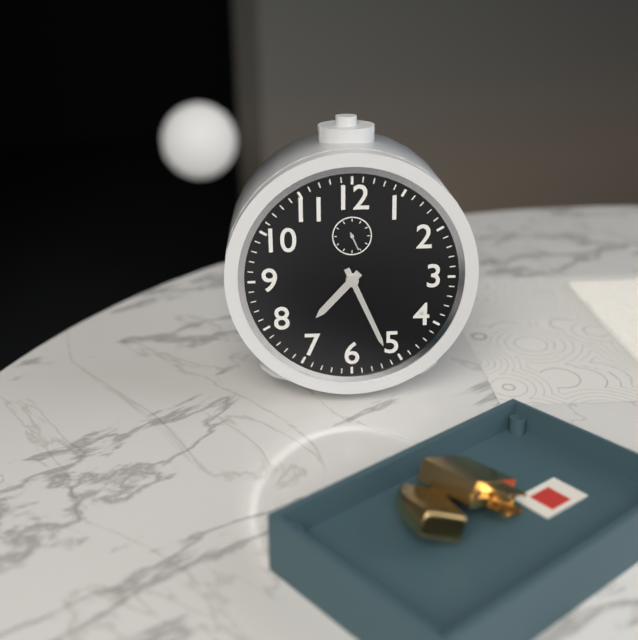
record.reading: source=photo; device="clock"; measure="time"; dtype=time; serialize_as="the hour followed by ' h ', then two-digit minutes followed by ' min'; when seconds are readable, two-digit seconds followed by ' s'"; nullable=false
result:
7 h 26 min
